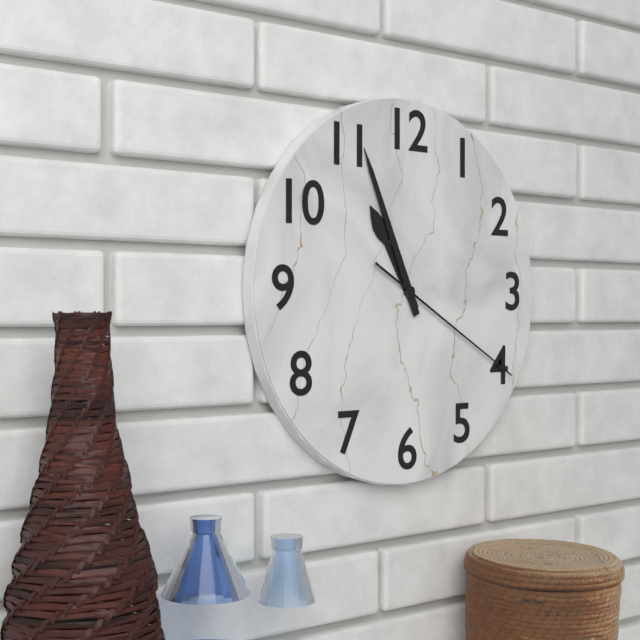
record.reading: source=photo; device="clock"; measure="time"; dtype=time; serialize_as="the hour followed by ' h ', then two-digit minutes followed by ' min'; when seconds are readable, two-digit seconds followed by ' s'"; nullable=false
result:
10 h 56 min 20 s
